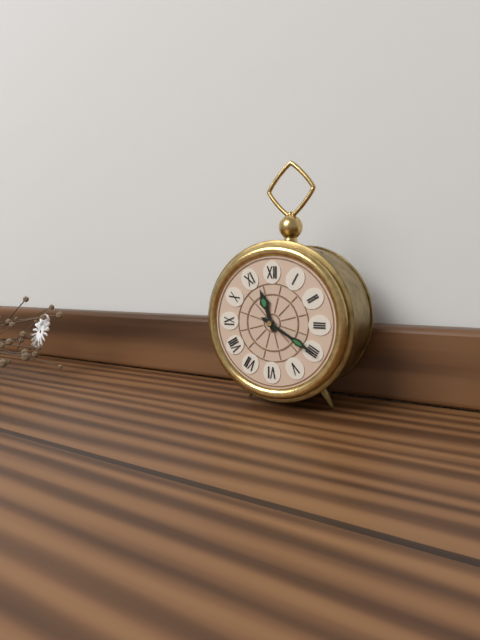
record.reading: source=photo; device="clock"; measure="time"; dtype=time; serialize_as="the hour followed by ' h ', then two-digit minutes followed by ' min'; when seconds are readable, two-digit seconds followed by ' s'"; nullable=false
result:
11 h 20 min
